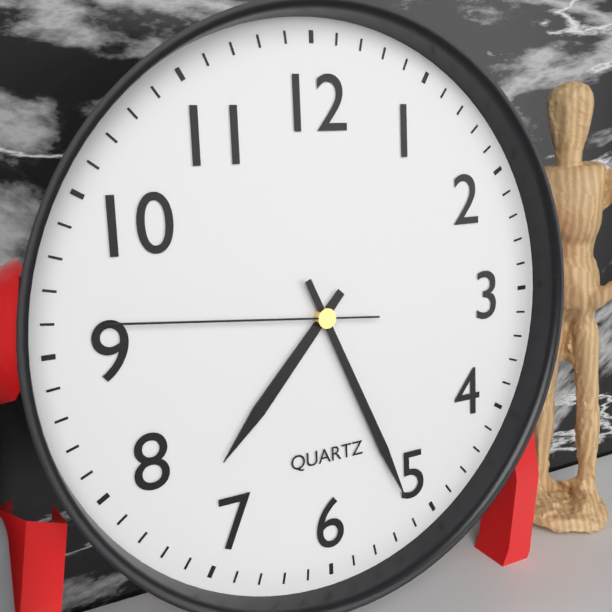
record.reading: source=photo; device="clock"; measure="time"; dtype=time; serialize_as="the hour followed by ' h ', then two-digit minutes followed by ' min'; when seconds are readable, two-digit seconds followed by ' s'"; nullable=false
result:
7 h 26 min 46 s
